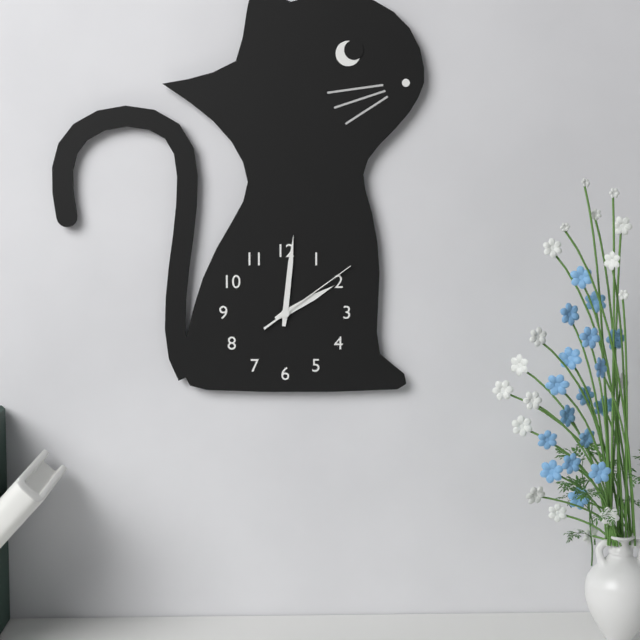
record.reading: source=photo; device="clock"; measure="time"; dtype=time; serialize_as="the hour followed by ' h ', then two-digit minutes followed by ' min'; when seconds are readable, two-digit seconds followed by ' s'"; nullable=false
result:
2 h 01 min 09 s
